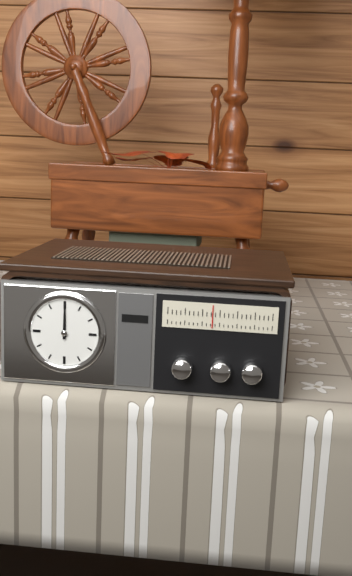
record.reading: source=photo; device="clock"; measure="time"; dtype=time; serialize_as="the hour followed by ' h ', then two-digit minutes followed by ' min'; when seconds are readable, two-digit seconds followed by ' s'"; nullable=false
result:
12 h 00 min
